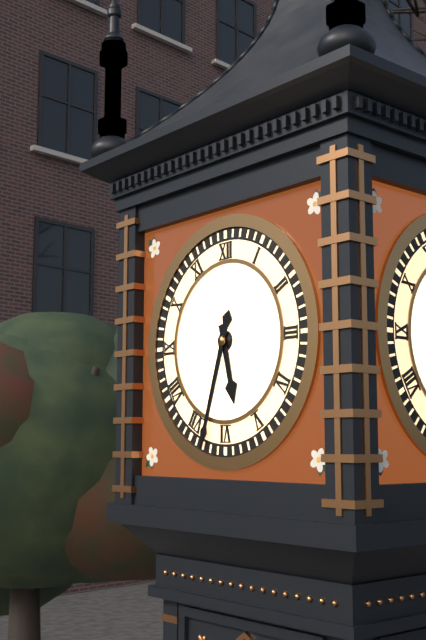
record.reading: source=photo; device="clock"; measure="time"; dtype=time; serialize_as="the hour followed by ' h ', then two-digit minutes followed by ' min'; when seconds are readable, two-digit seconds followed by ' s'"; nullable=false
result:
5 h 33 min
